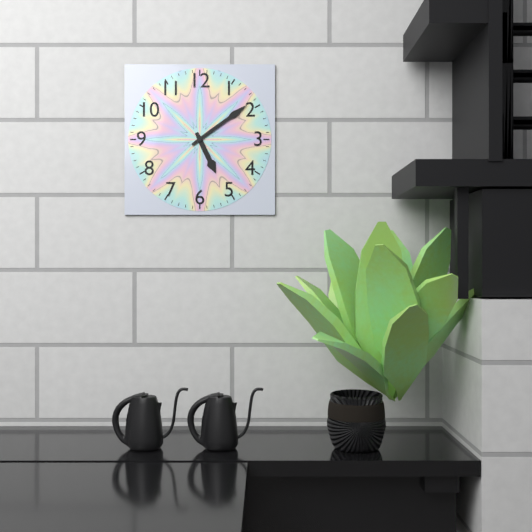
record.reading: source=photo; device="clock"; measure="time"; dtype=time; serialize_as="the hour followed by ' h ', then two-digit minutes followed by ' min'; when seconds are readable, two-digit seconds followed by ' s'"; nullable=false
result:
5 h 09 min
